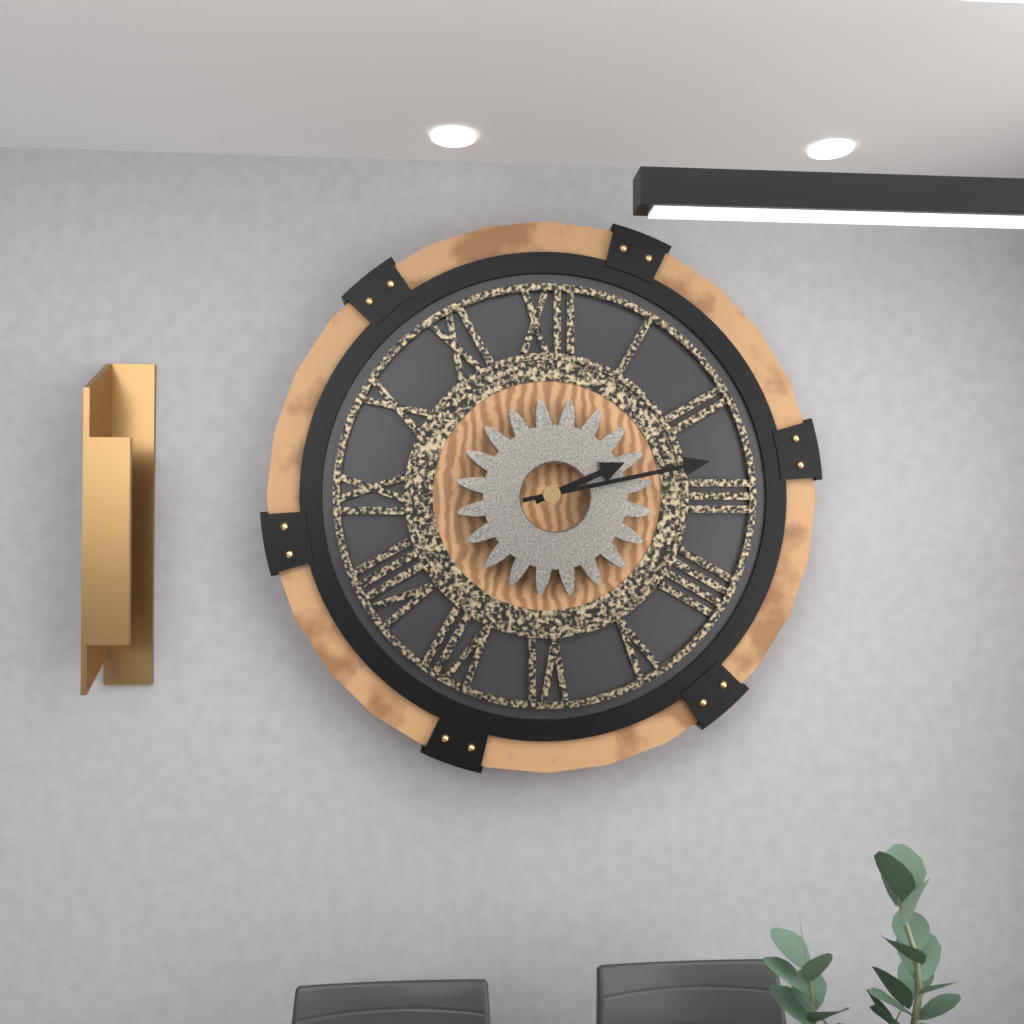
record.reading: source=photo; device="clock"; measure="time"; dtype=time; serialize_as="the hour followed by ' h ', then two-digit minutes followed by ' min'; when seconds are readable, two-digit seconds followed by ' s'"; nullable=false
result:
2 h 13 min
